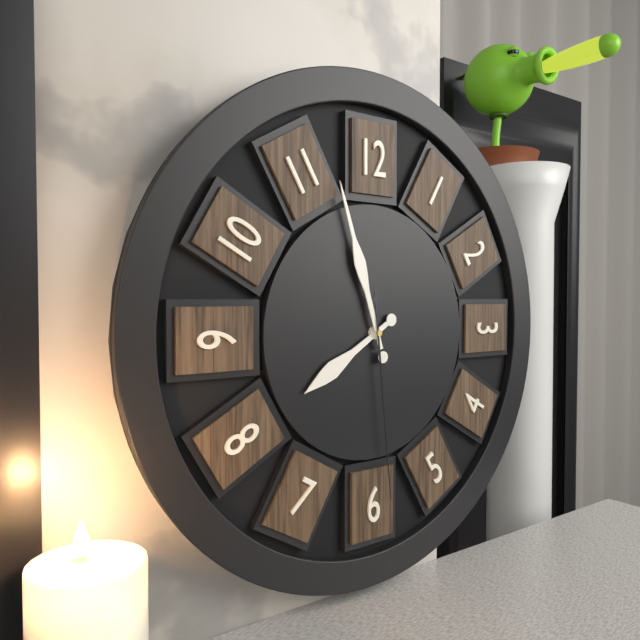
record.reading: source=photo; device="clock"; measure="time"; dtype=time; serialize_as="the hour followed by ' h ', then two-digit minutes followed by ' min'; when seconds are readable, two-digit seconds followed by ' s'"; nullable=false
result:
7 h 57 min 29 s
